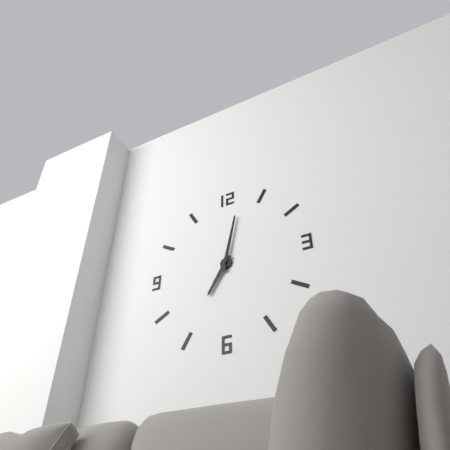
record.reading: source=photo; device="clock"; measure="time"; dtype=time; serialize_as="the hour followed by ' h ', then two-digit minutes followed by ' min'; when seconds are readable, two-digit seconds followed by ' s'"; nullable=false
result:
7 h 02 min
